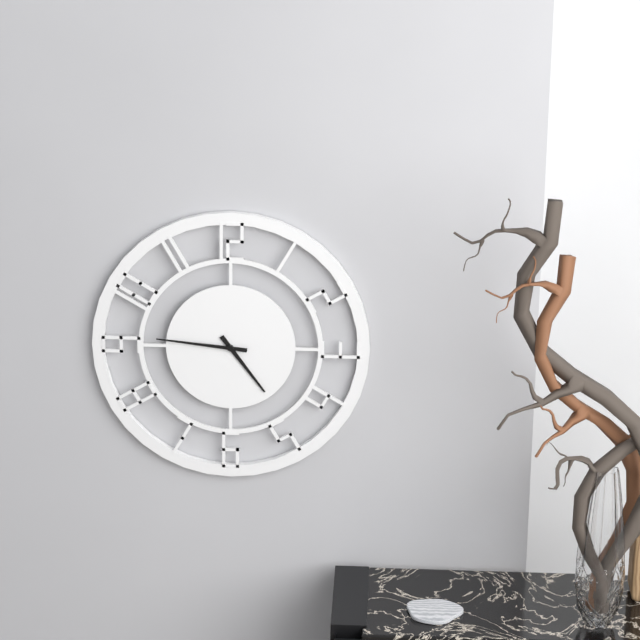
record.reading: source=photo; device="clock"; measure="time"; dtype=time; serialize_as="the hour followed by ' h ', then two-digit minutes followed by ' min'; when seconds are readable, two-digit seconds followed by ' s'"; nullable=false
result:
4 h 46 min
